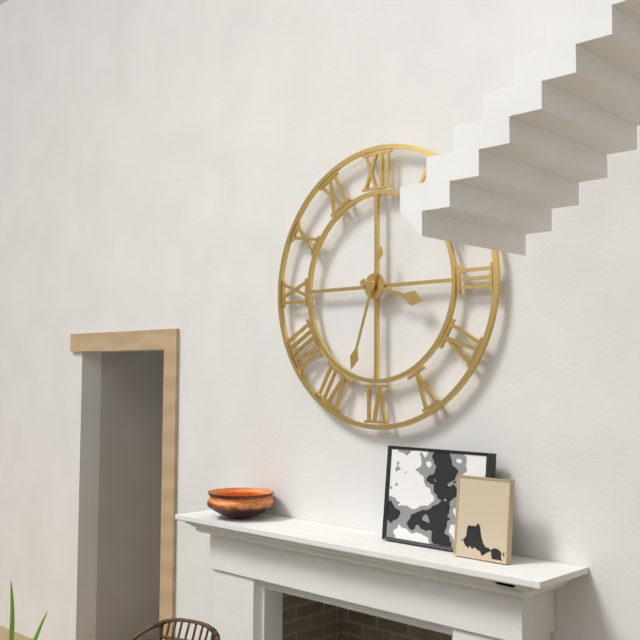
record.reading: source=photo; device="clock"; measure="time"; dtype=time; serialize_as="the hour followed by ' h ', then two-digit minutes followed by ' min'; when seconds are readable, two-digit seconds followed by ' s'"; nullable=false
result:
3 h 33 min
